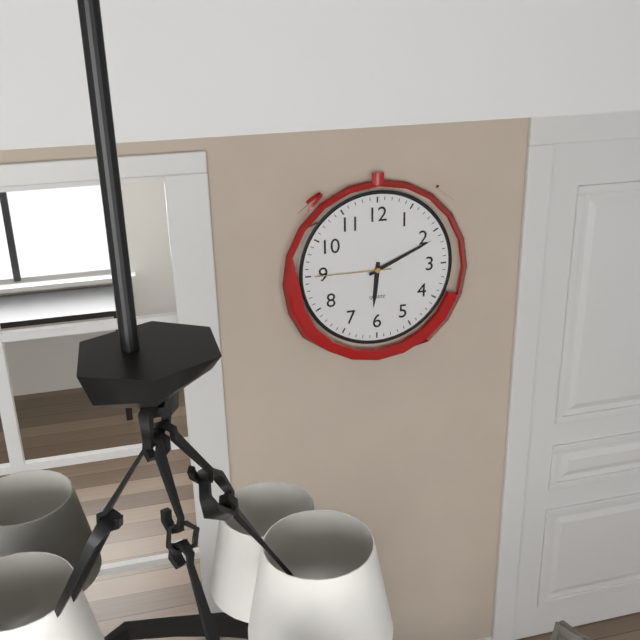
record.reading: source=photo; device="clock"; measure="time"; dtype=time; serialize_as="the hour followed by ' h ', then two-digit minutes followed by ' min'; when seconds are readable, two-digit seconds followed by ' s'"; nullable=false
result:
6 h 11 min 45 s
